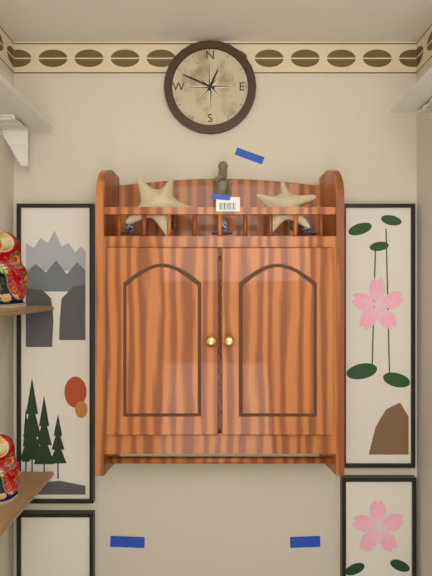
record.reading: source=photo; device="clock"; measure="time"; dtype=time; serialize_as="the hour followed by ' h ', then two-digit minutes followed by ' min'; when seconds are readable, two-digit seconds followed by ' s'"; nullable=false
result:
12 h 49 min
